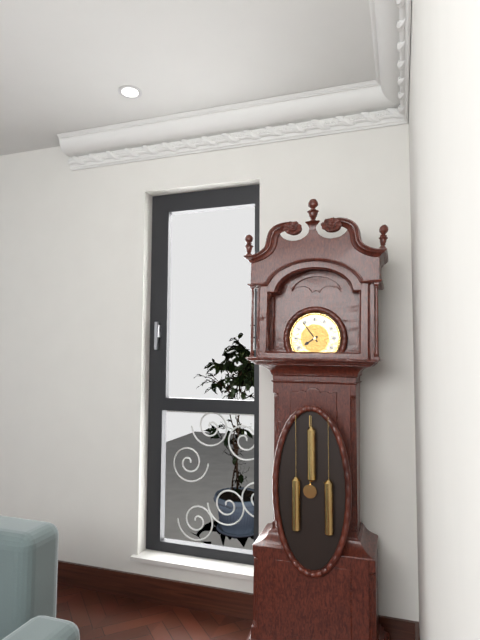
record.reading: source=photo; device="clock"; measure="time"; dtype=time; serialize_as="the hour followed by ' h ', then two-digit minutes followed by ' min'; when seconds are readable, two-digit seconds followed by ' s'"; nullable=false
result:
7 h 54 min
